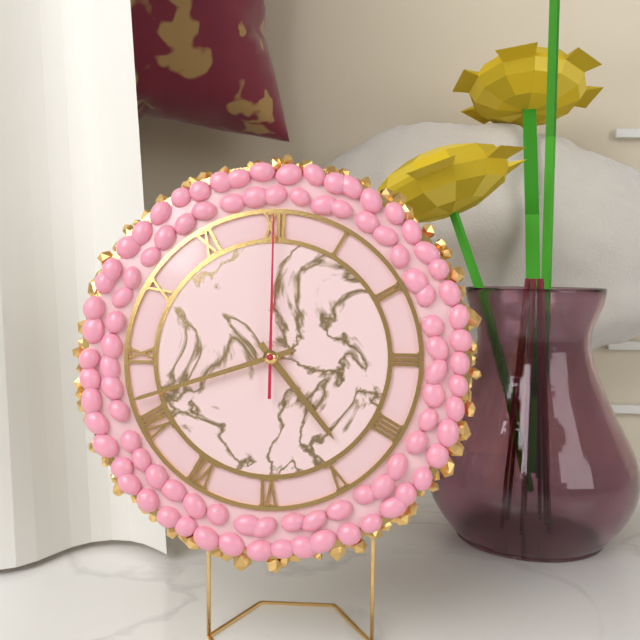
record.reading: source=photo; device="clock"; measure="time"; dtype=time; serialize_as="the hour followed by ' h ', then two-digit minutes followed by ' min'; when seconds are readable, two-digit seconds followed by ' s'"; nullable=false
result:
4 h 42 min 00 s
